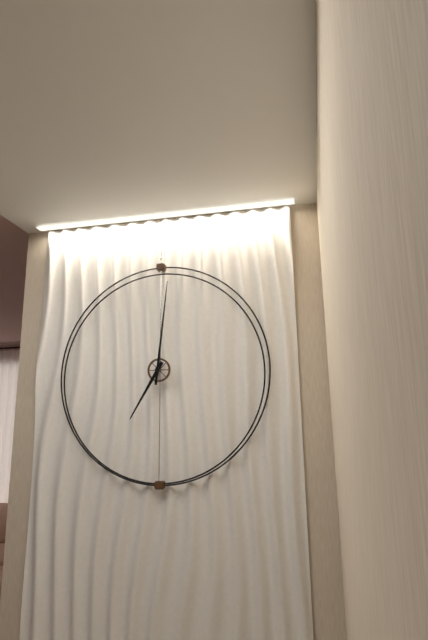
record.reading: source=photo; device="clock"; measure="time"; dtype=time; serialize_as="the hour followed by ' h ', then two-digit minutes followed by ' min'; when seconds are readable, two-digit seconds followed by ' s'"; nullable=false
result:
7 h 01 min
